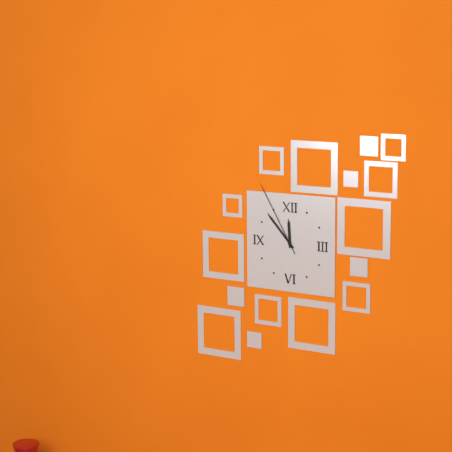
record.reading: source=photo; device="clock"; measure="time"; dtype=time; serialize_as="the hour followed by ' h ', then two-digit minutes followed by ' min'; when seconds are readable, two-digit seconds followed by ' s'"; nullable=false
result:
11 h 53 min 55 s
